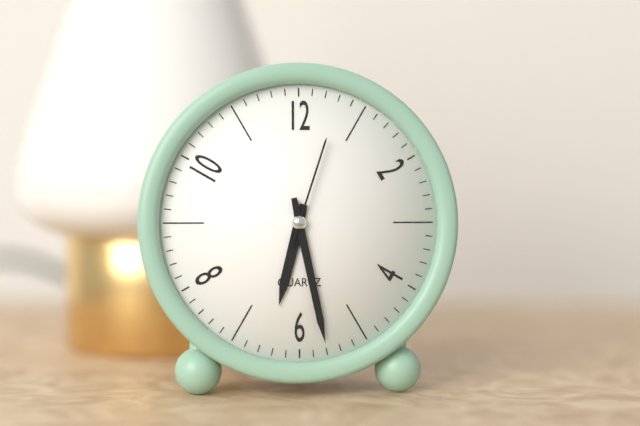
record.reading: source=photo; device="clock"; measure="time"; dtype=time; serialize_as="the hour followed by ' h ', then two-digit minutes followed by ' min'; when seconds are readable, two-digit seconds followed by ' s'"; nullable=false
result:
6 h 28 min 03 s
